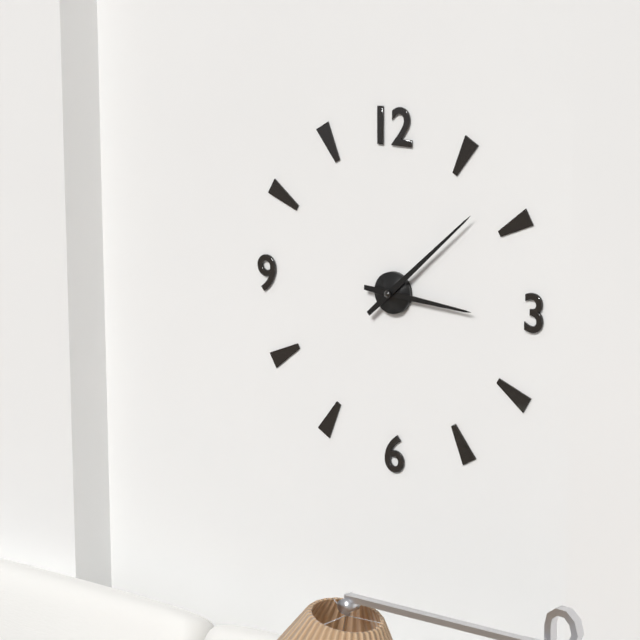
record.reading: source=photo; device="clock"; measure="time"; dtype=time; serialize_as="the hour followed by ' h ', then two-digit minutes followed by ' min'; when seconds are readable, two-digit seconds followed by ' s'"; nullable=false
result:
3 h 08 min
